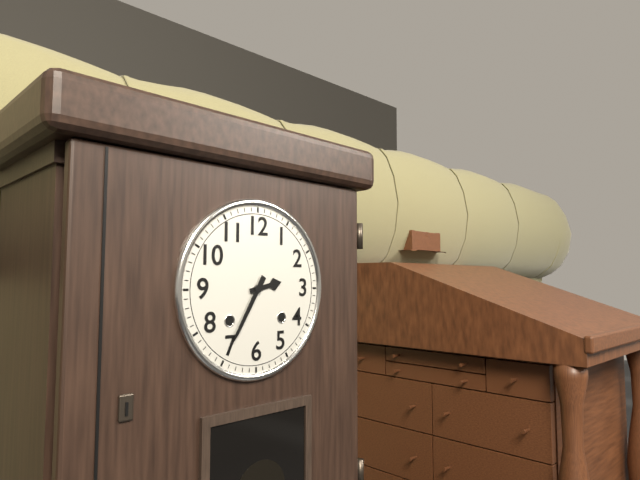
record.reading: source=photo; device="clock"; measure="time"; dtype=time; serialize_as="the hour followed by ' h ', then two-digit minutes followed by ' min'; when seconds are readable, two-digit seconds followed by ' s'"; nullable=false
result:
2 h 35 min
